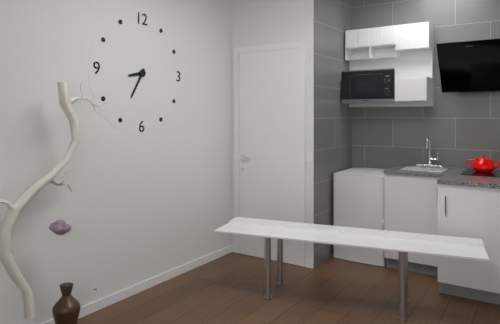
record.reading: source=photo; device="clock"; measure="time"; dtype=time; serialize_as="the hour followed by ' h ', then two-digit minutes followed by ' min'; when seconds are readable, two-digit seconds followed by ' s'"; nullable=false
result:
8 h 35 min
